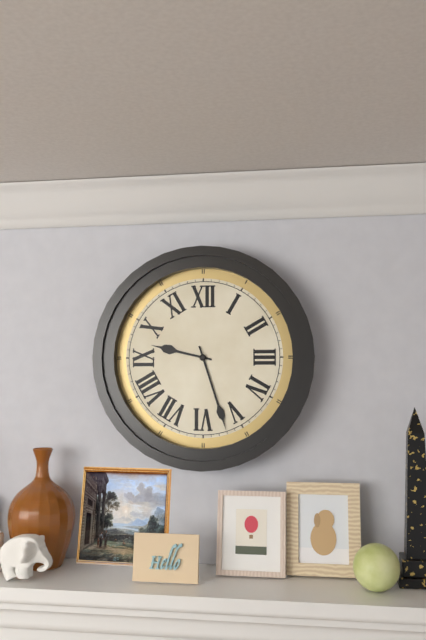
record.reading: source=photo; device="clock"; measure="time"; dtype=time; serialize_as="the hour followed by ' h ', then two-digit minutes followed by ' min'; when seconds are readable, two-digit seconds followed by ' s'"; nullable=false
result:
9 h 27 min
